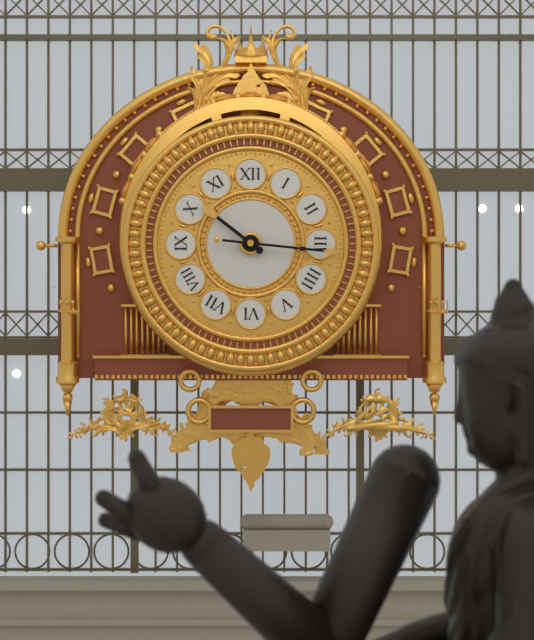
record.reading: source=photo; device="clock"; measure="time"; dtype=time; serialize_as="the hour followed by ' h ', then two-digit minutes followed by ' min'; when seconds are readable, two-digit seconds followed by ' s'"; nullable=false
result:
10 h 16 min
